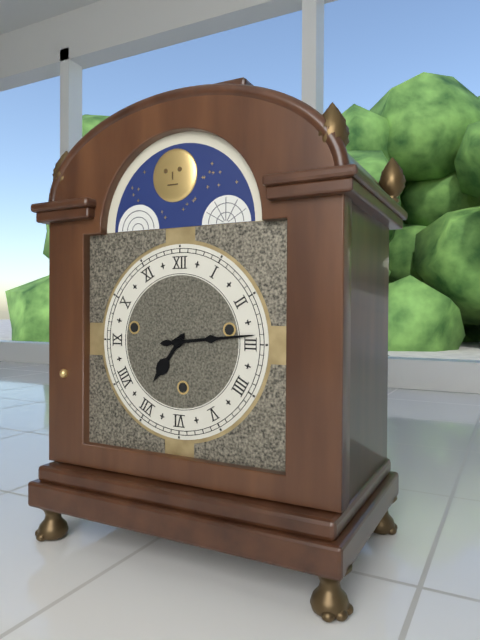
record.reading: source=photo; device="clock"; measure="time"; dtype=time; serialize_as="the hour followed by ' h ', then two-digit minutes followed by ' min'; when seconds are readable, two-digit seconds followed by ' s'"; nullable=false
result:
7 h 14 min
